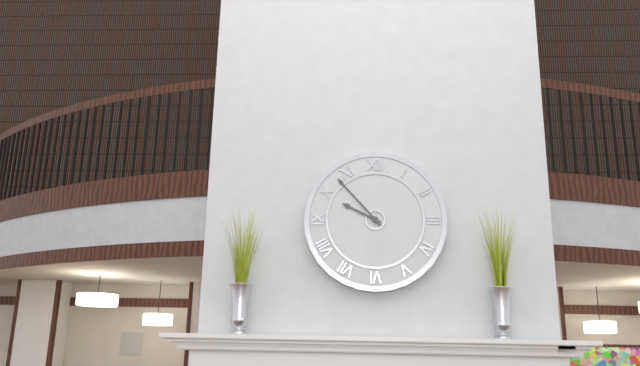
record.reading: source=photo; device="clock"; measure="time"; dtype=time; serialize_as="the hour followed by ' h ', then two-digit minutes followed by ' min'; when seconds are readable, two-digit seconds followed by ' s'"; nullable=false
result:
9 h 53 min
